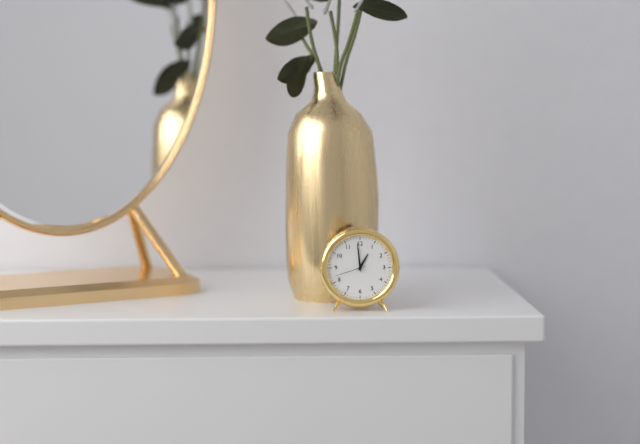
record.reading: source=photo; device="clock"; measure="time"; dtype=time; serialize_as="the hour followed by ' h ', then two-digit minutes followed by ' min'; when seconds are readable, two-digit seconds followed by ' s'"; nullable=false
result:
12 h 59 min
